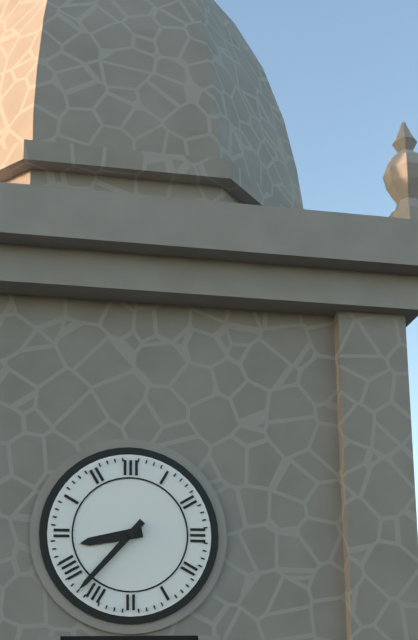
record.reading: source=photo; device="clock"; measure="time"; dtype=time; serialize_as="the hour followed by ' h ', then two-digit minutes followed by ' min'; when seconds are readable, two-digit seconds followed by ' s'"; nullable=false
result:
8 h 37 min
